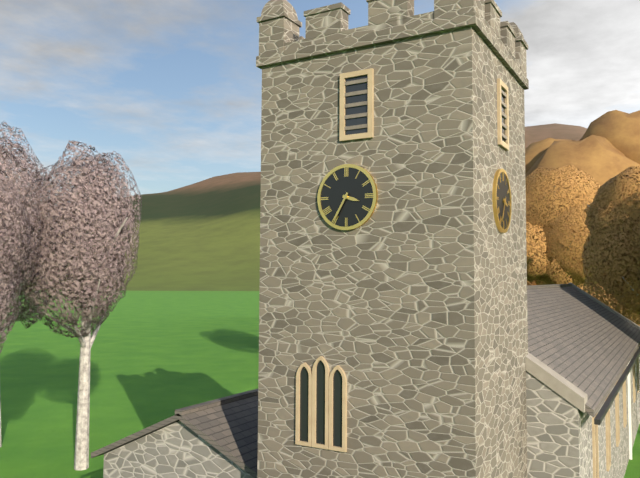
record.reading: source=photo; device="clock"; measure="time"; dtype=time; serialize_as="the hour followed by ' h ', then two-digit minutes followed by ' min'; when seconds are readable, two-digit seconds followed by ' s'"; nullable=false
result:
3 h 35 min
